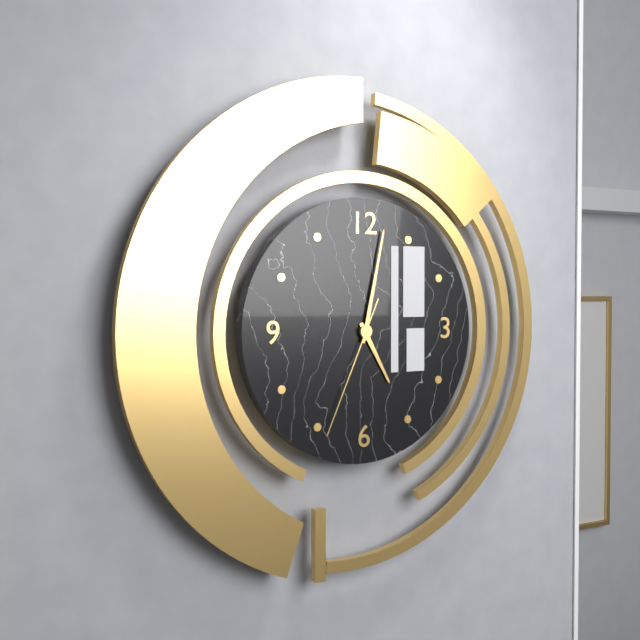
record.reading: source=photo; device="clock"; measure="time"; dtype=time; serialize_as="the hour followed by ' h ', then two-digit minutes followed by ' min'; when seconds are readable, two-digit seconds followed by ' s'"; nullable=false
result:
5 h 02 min 34 s
